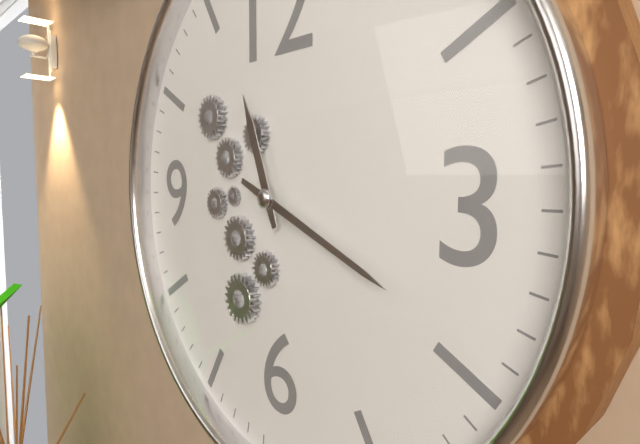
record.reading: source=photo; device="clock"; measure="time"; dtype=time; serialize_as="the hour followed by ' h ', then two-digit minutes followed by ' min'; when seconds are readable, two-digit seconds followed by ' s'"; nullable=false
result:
11 h 19 min
